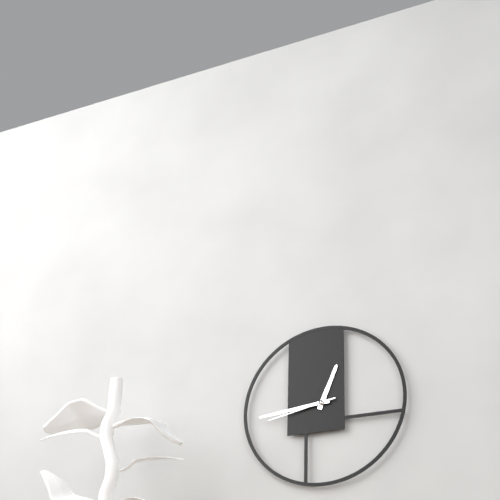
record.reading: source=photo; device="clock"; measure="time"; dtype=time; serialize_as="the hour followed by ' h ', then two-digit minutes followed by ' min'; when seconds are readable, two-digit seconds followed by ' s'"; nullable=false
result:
12 h 44 min 43 s
